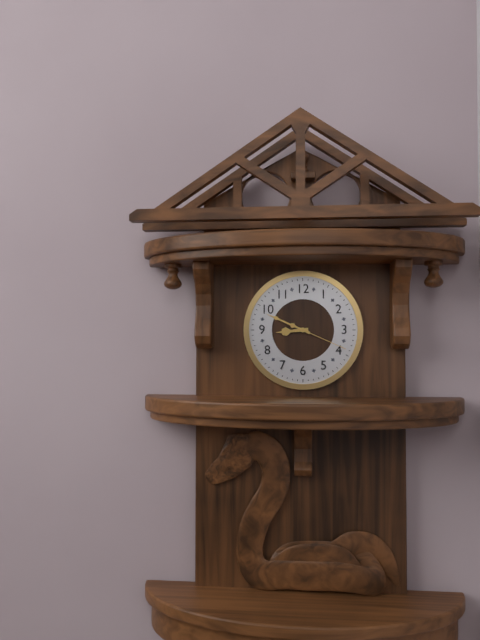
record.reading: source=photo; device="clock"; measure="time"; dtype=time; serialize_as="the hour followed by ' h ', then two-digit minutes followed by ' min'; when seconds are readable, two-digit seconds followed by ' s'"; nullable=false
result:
8 h 49 min 19 s
